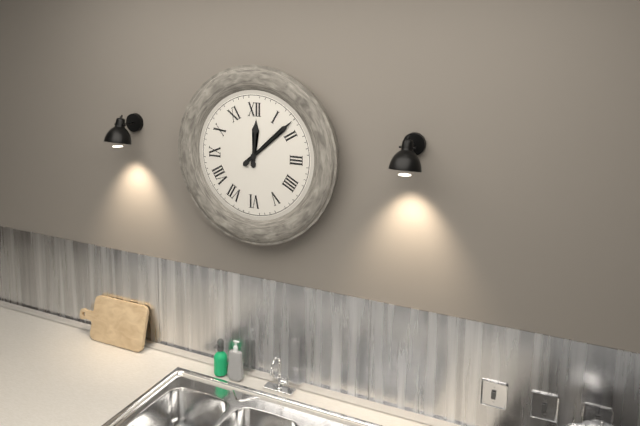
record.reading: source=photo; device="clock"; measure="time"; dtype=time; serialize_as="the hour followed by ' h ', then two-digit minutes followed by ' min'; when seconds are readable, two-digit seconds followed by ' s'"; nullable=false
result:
12 h 08 min
